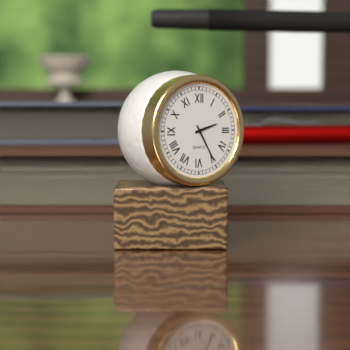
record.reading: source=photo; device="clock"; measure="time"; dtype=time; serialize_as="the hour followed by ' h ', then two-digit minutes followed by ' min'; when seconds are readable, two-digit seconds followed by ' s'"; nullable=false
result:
2 h 25 min
